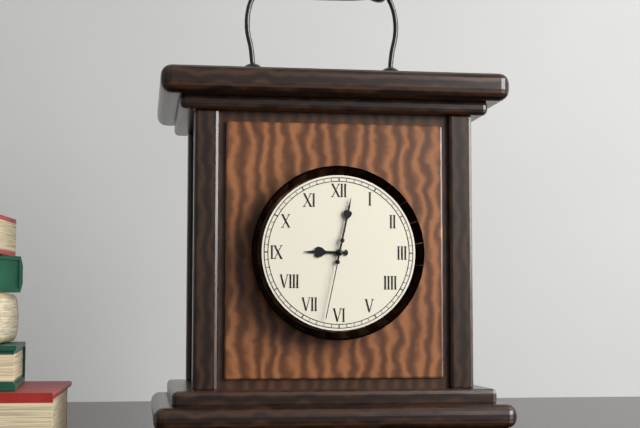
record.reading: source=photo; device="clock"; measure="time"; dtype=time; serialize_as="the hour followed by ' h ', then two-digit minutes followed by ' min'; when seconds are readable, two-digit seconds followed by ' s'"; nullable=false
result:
9 h 02 min 32 s
